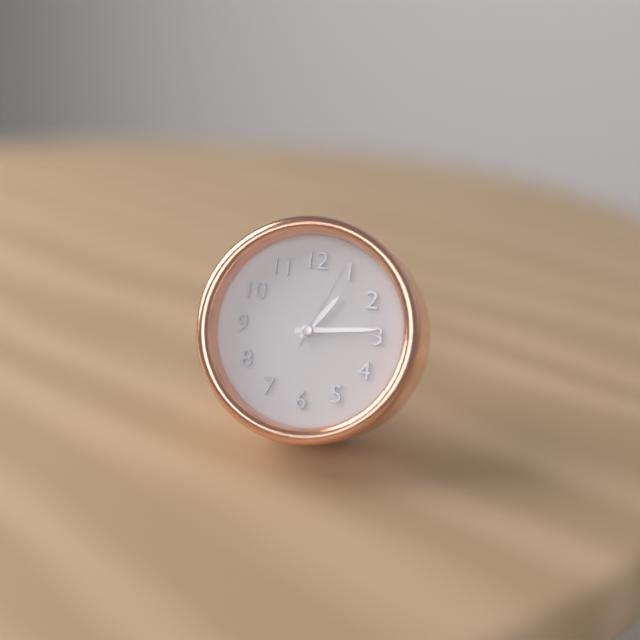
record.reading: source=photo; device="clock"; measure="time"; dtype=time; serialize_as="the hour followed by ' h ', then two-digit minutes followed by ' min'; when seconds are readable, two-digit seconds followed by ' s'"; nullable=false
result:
1 h 14 min 04 s
